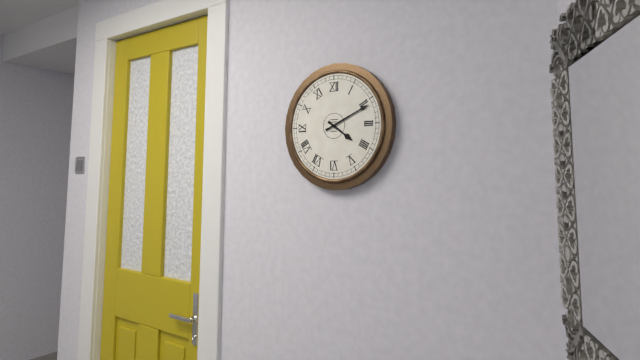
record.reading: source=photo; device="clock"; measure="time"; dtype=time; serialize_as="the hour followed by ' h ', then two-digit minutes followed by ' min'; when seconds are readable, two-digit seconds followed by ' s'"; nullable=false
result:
4 h 11 min
